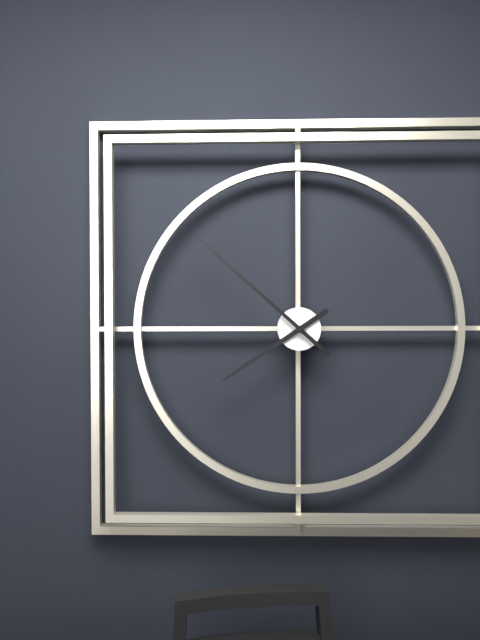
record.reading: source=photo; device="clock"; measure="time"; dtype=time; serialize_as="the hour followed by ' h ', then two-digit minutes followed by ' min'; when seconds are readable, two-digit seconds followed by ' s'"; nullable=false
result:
7 h 52 min
